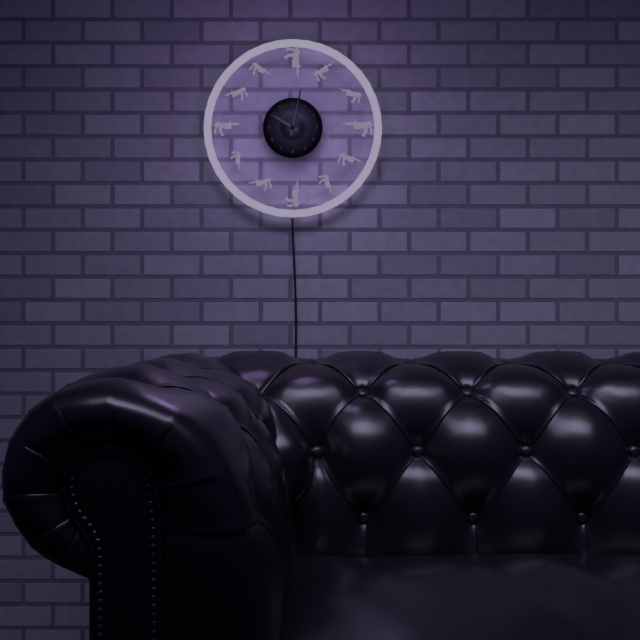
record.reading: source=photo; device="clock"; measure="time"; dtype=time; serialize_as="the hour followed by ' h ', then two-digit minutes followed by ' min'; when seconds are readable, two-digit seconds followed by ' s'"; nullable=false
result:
10 h 02 min
